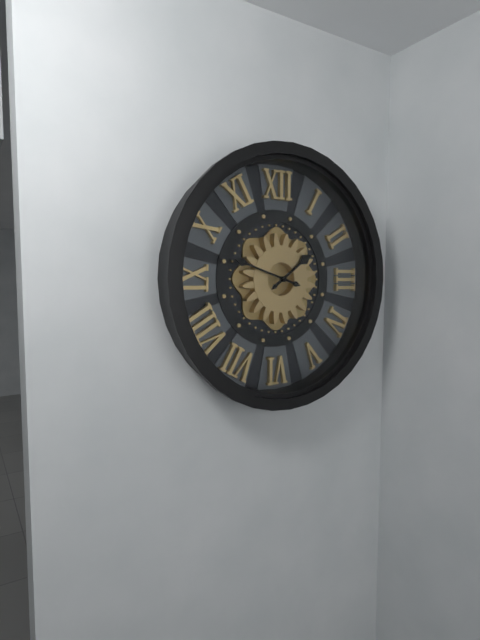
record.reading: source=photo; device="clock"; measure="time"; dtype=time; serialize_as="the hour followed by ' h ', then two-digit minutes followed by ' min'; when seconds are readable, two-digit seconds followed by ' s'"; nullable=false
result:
1 h 48 min
